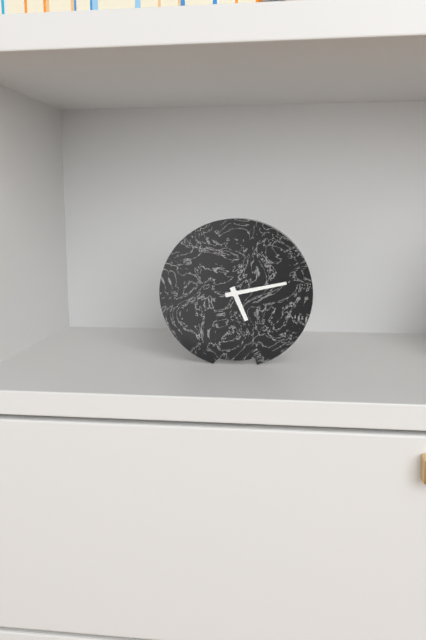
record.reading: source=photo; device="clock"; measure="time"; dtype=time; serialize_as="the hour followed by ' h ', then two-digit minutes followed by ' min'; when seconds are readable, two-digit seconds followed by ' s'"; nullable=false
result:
5 h 13 min
